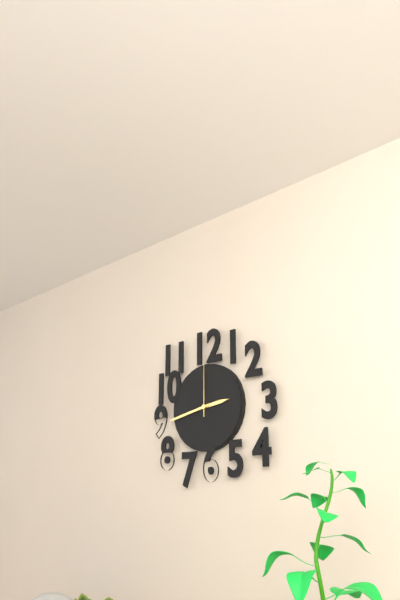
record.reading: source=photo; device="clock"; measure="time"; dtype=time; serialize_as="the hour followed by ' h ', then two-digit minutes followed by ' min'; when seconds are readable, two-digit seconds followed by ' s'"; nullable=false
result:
2 h 43 min 00 s
